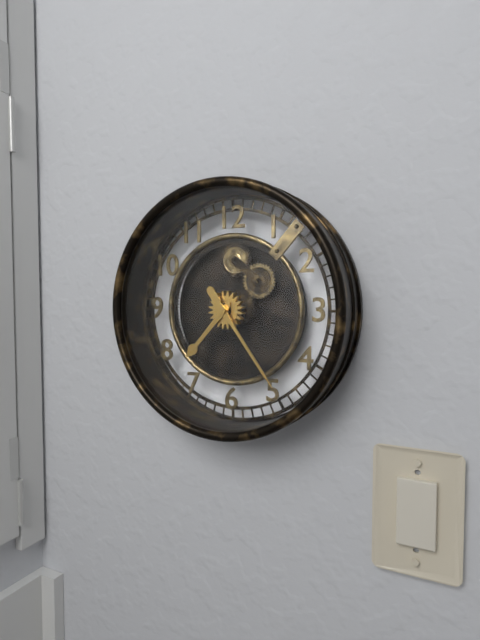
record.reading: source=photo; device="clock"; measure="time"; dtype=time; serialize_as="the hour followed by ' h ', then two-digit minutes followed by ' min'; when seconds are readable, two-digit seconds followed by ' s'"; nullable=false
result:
7 h 24 min
